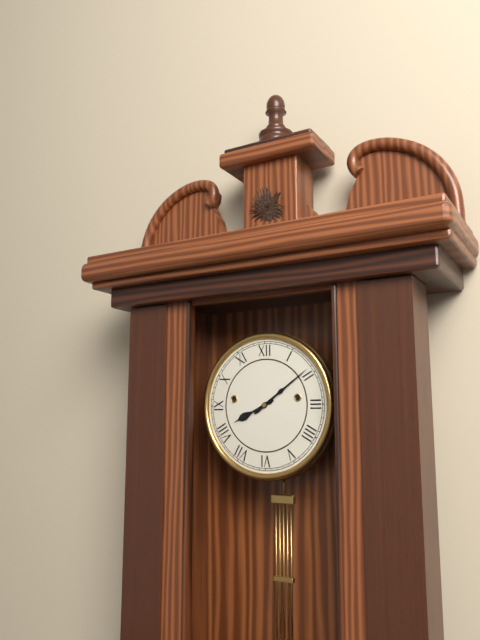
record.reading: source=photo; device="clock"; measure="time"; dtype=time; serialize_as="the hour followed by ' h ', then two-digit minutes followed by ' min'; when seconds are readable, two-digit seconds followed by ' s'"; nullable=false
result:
8 h 09 min
